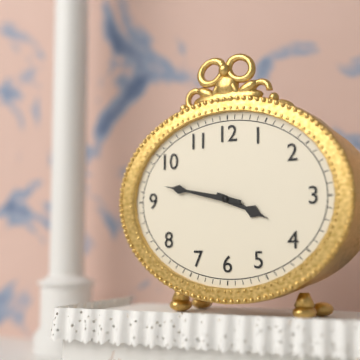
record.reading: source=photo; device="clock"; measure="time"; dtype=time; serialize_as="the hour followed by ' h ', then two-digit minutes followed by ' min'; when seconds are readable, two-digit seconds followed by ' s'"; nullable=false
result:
3 h 47 min
